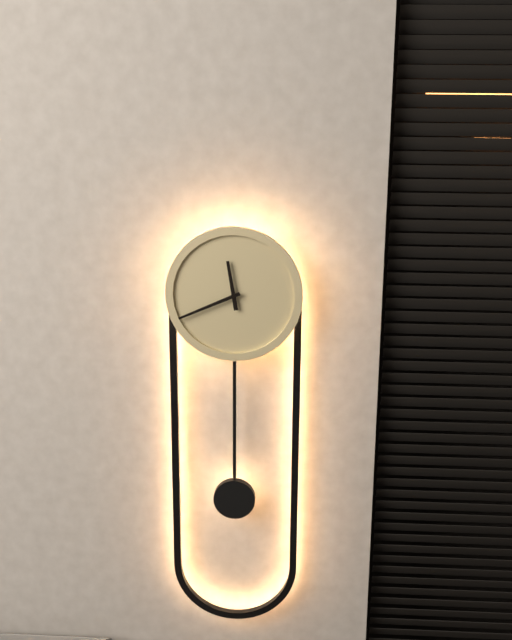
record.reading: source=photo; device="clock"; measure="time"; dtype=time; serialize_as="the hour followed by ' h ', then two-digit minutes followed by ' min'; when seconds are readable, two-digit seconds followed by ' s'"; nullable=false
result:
11 h 41 min
